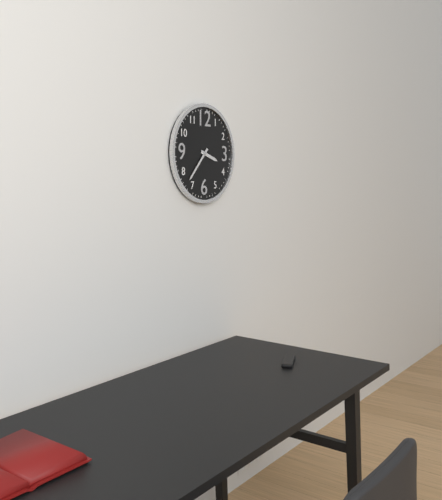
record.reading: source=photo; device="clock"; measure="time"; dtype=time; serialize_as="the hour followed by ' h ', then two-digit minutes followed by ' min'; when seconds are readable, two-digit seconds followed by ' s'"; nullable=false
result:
3 h 37 min
